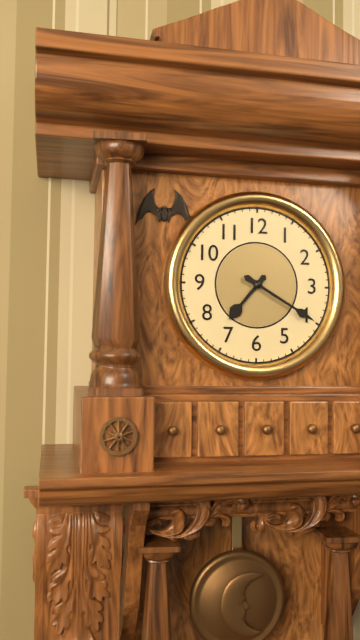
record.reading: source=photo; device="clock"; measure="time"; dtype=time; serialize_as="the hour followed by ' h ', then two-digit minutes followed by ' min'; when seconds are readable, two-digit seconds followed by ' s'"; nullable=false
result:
7 h 20 min
